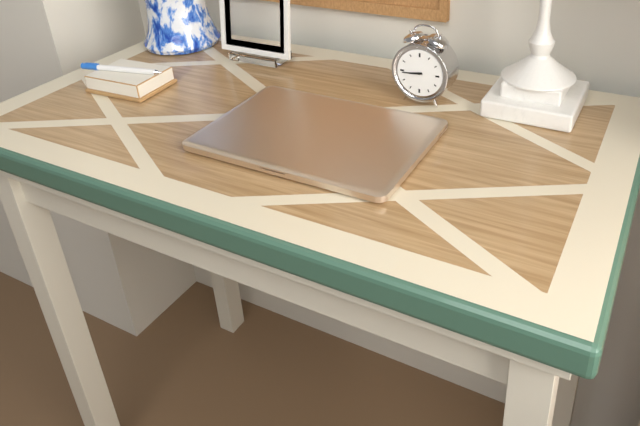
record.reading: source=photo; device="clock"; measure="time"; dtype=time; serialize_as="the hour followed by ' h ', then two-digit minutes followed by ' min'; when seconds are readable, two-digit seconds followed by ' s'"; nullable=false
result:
8 h 44 min
